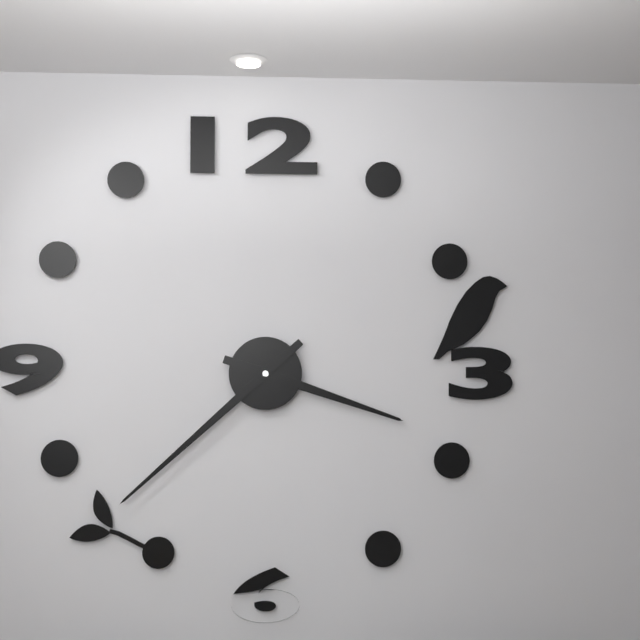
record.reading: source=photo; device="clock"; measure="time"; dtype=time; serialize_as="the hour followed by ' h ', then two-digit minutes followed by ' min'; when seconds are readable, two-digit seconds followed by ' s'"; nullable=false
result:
3 h 38 min
